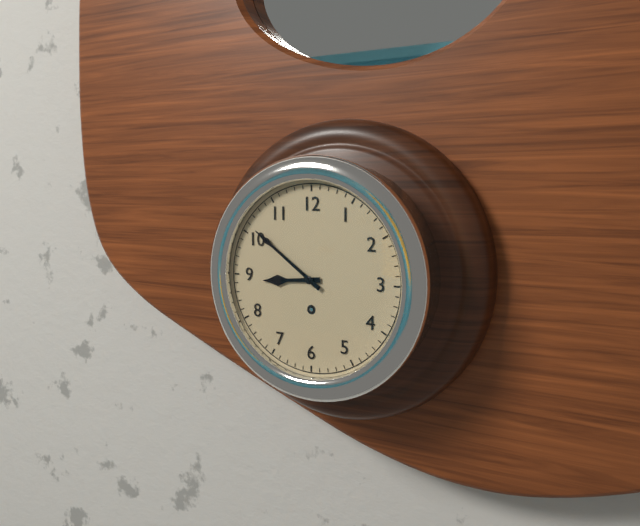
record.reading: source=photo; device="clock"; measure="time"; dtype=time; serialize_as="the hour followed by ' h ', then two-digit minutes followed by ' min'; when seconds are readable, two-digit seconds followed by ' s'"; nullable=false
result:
8 h 51 min
